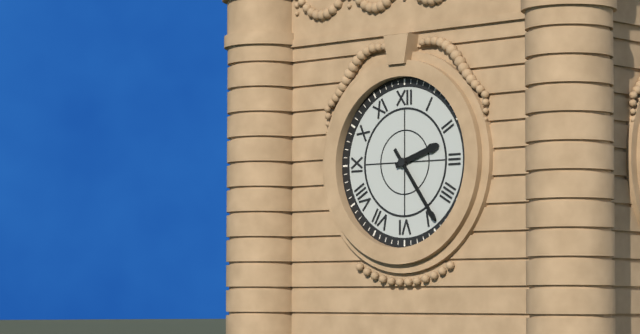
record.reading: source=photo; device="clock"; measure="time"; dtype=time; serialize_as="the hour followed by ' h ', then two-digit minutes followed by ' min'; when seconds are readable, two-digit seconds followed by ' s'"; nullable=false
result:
2 h 24 min
